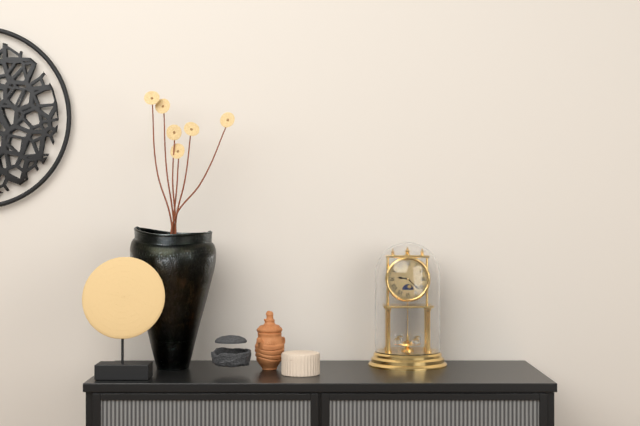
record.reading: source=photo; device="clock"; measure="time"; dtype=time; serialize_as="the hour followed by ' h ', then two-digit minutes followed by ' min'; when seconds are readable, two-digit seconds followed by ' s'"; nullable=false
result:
9 h 22 min
